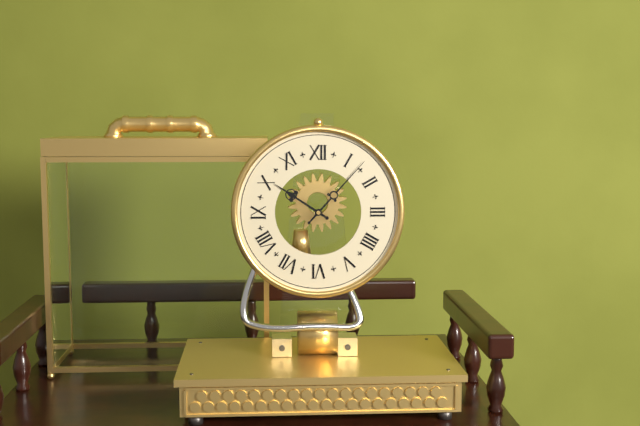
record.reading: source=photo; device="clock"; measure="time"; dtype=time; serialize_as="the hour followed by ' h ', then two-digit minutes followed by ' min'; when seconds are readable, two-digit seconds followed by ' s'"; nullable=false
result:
10 h 07 min
